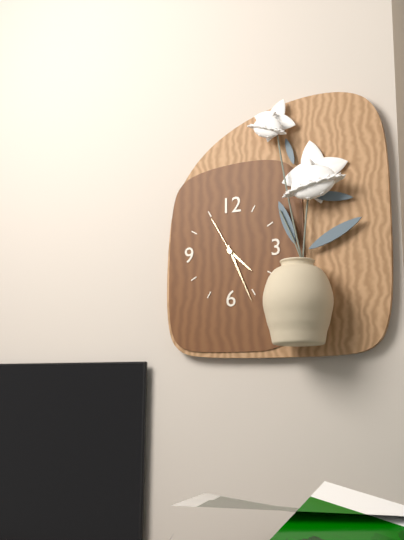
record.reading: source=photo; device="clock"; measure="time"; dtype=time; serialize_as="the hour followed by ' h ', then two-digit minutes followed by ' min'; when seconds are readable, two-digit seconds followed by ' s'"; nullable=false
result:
4 h 26 min 55 s
